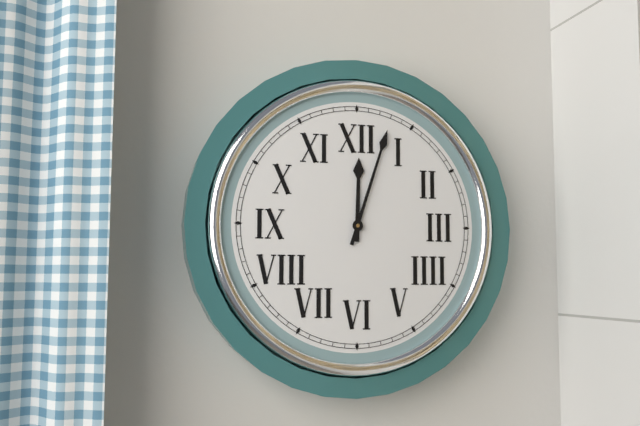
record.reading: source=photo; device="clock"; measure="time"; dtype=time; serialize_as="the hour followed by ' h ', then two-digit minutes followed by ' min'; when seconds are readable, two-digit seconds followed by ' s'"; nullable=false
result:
12 h 03 min
